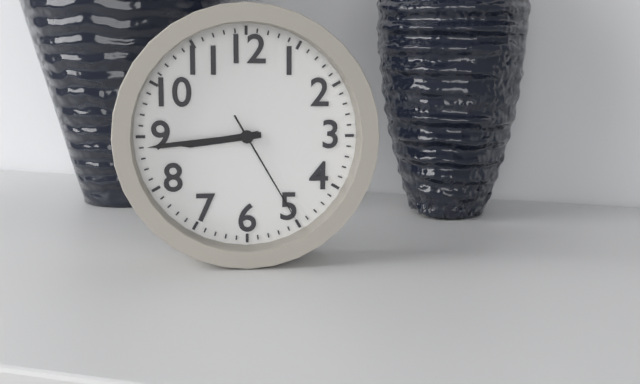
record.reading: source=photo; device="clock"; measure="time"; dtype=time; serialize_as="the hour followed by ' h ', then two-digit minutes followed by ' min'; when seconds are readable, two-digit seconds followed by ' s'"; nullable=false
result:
8 h 44 min 25 s
